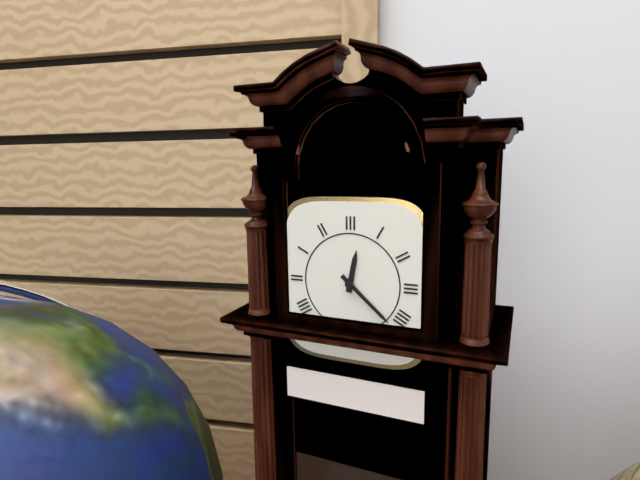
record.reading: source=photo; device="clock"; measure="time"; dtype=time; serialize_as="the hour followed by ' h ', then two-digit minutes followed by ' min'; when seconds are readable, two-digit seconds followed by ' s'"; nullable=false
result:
12 h 22 min
